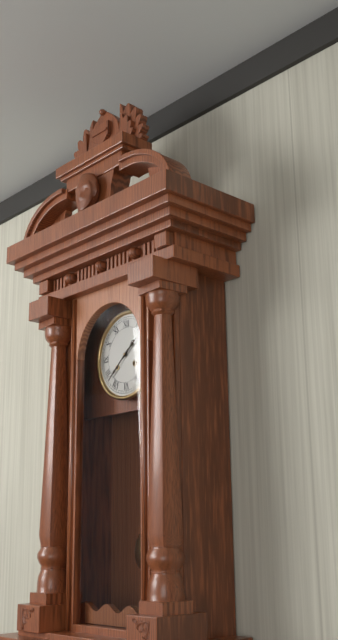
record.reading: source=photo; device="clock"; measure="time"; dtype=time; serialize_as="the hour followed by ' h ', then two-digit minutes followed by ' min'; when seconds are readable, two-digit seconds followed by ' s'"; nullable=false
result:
1 h 38 min
